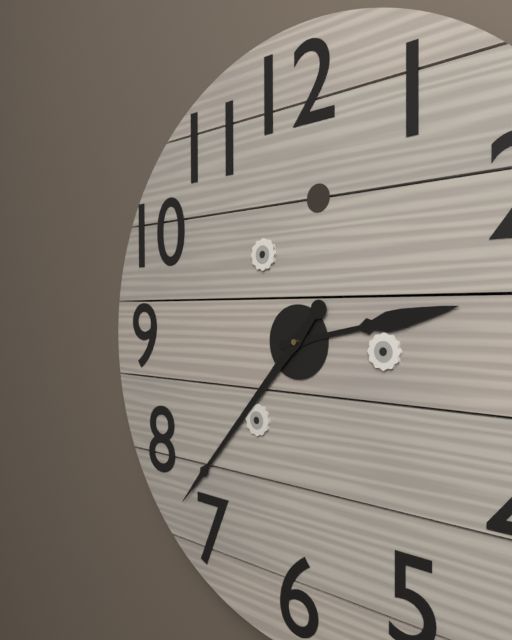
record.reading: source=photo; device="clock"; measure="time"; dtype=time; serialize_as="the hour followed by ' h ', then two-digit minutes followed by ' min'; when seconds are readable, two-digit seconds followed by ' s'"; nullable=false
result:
2 h 37 min
